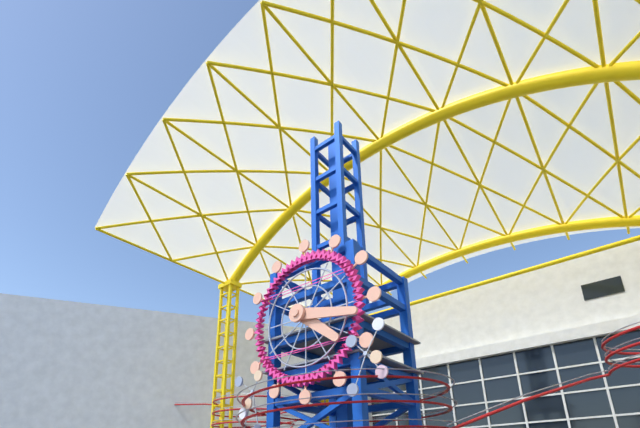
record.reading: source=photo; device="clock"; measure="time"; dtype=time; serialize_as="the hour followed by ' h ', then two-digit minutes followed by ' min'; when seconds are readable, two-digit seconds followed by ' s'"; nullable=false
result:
4 h 17 min
